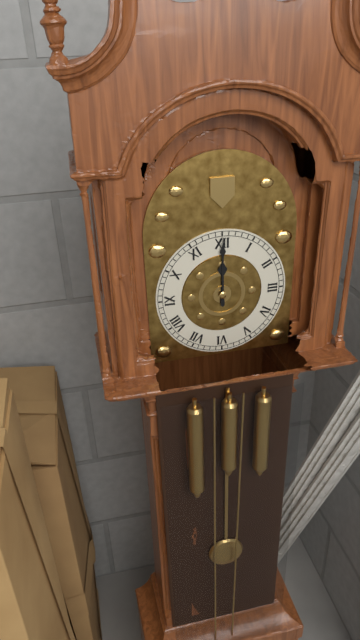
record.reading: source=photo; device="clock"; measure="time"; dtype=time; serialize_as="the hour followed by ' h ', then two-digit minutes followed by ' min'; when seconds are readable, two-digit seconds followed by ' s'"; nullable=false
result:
12 h 00 min
